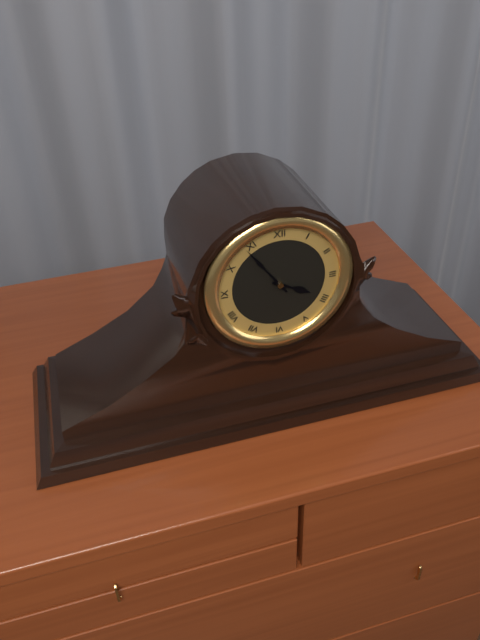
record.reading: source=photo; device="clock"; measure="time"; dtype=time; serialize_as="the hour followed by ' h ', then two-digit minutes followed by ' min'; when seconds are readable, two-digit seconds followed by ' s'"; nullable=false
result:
3 h 54 min
